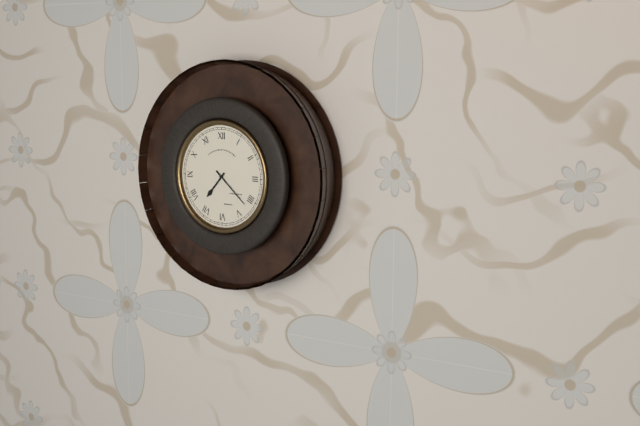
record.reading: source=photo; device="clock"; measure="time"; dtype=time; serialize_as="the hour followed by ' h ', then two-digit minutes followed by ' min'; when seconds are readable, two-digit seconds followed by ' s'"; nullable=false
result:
7 h 22 min
